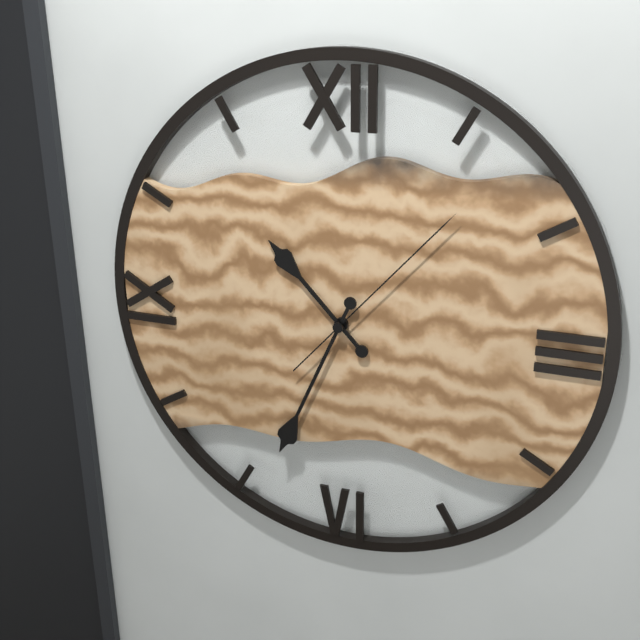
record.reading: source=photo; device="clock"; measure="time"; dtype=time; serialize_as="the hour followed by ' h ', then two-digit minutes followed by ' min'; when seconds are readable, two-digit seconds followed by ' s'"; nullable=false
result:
10 h 34 min 07 s
